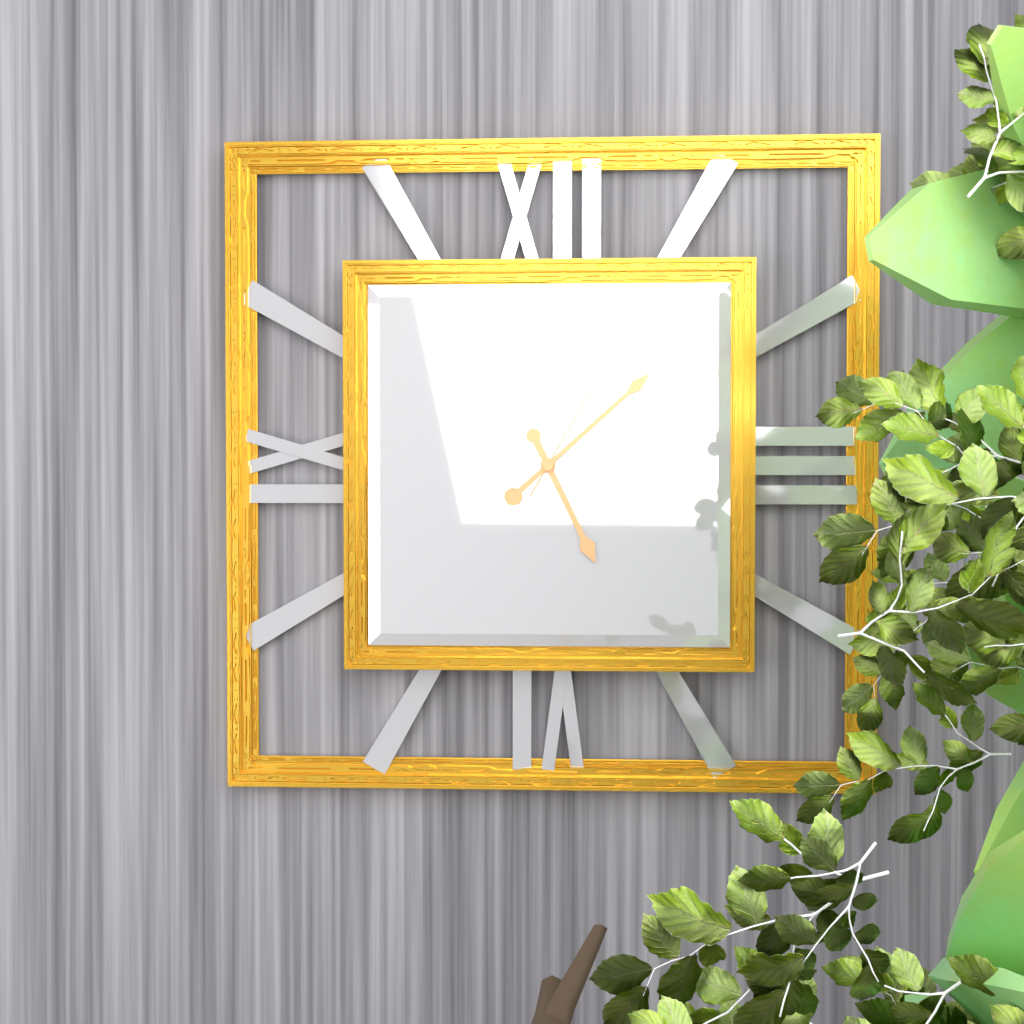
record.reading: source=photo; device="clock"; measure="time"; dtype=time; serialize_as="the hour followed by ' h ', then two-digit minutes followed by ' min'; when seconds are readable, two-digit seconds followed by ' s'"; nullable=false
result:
5 h 08 min 05 s
